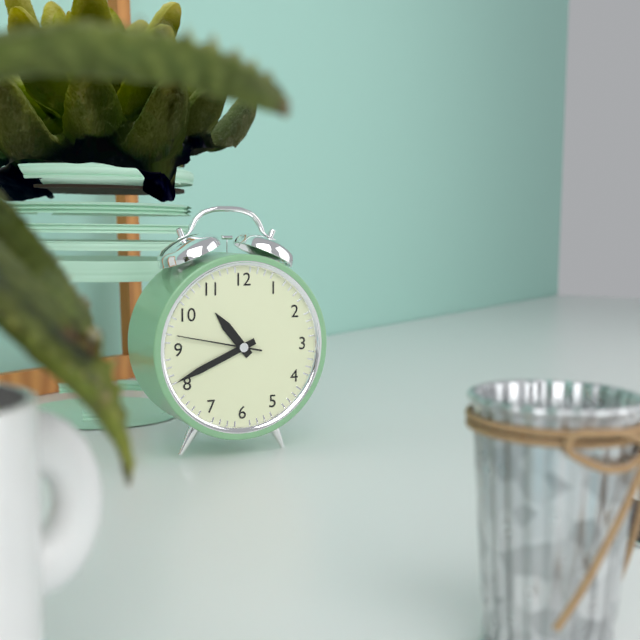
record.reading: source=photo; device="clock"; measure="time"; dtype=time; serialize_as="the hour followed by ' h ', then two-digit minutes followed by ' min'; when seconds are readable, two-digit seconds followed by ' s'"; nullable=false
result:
10 h 41 min 47 s
